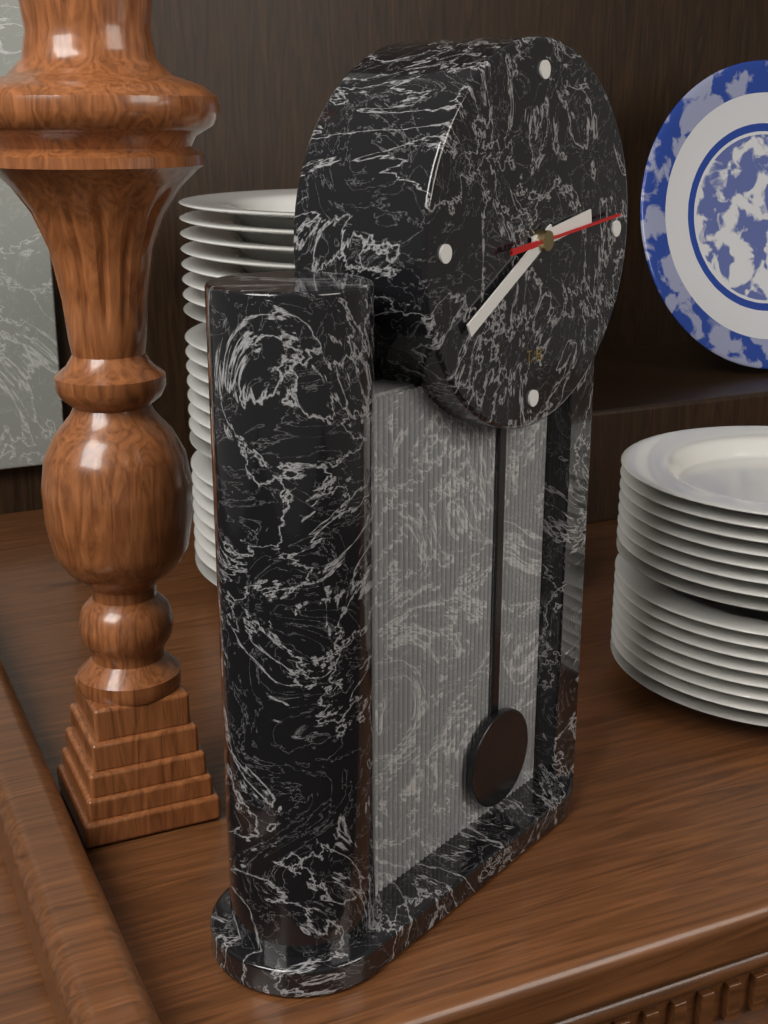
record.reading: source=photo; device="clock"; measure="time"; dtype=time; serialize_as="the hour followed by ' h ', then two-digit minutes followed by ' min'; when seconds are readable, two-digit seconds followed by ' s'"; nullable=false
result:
2 h 40 min 14 s
